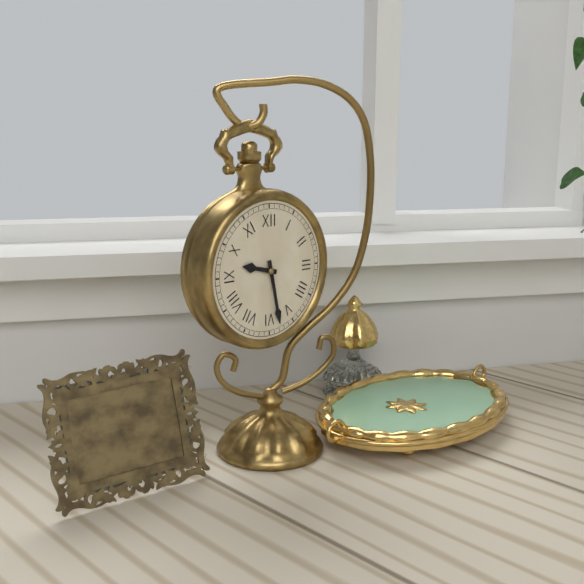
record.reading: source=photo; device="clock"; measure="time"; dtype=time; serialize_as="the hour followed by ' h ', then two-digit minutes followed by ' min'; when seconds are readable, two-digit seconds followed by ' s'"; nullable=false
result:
9 h 28 min
